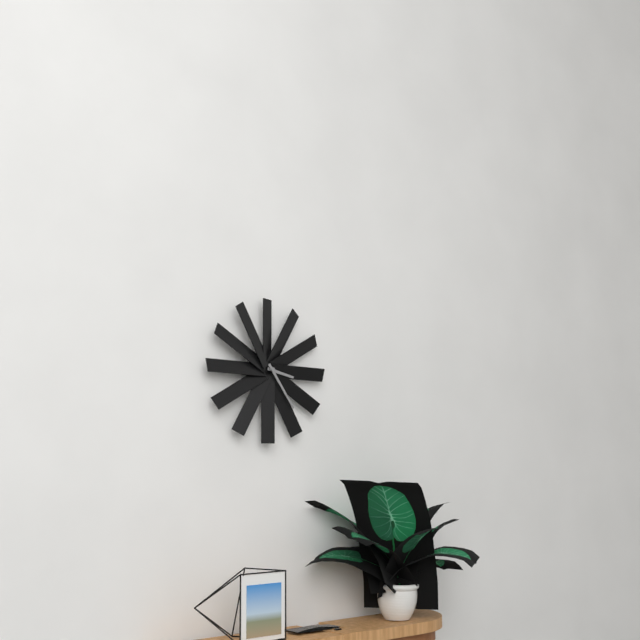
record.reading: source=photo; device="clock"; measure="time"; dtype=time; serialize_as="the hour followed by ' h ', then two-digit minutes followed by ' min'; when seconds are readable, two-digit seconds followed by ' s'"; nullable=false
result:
3 h 24 min
